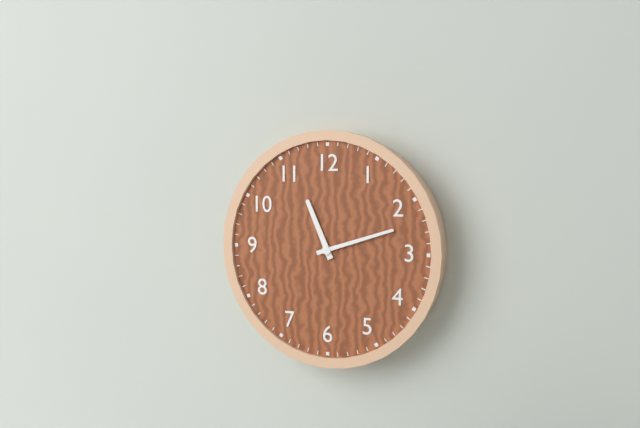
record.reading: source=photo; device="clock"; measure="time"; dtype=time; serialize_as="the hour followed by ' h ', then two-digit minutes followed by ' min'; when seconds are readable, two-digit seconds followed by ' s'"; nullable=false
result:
11 h 12 min
